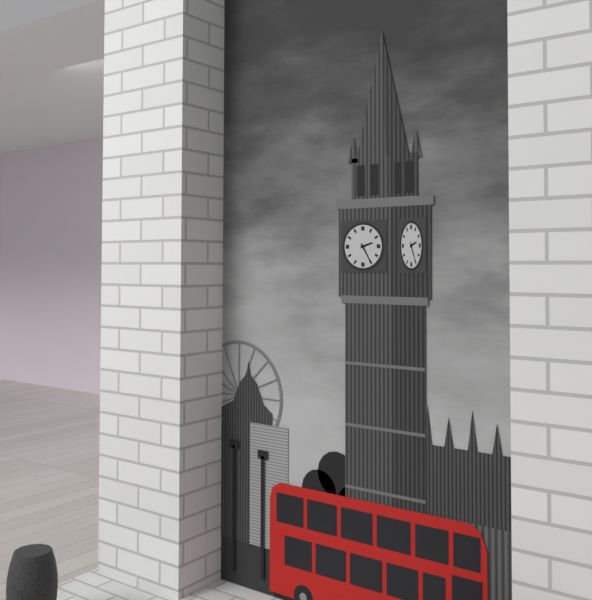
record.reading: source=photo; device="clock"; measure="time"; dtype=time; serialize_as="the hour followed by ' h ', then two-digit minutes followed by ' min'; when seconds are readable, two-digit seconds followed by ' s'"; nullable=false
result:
2 h 25 min
